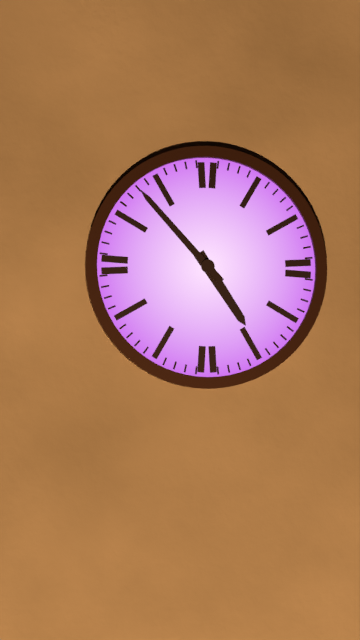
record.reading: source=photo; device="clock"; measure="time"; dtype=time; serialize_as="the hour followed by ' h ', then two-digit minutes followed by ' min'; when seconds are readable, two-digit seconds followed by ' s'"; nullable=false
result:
4 h 53 min
